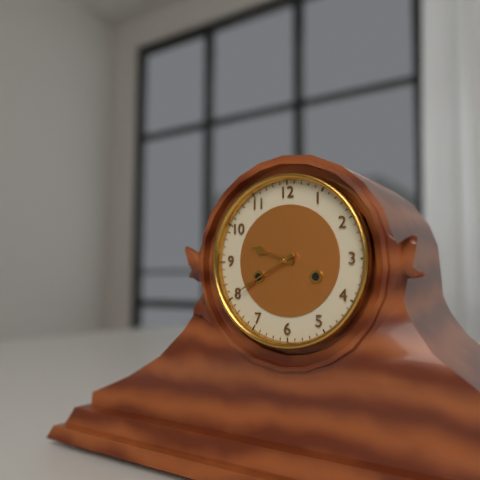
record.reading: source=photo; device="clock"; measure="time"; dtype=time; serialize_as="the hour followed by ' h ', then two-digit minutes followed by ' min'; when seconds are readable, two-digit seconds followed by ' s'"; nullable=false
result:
9 h 40 min
